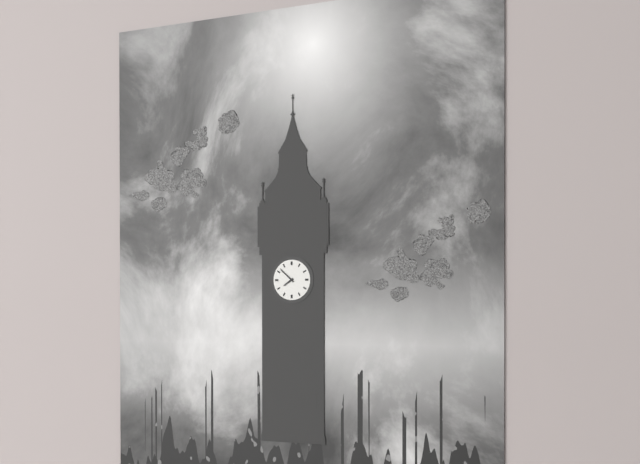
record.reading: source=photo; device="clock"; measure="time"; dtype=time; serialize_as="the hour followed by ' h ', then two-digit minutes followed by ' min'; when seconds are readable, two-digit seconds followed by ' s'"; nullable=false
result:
7 h 52 min
